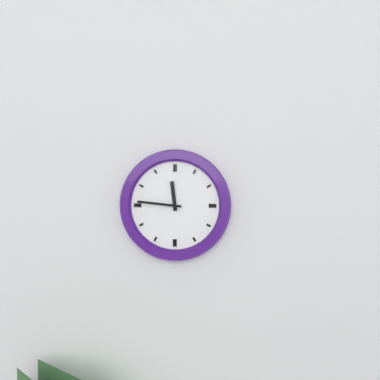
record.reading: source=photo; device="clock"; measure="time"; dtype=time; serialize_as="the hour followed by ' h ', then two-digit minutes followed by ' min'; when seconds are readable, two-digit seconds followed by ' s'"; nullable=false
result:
11 h 46 min
